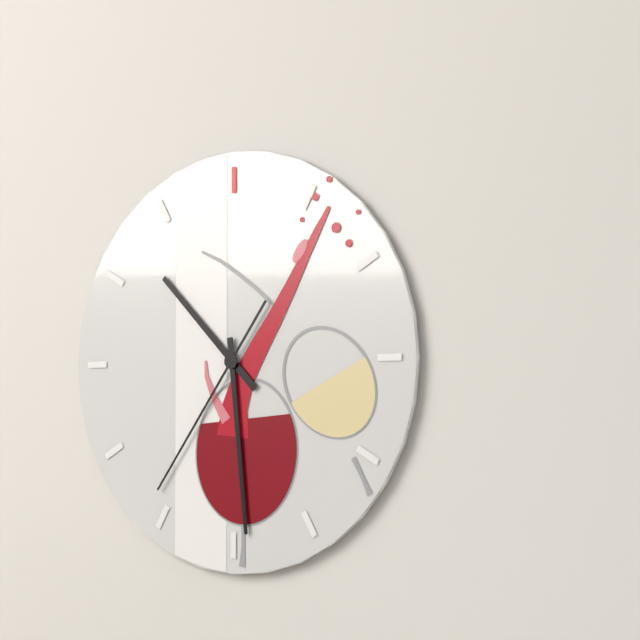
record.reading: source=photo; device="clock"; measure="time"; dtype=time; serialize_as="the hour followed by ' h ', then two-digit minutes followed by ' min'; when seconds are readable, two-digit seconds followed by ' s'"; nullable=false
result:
10 h 29 min 36 s
